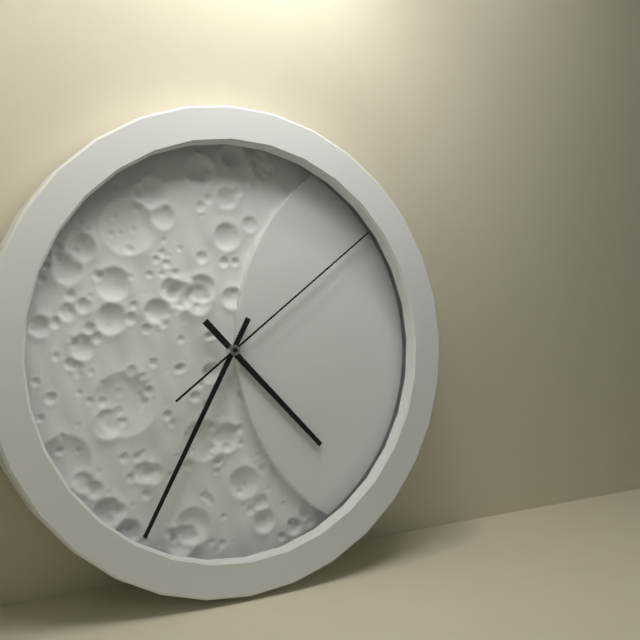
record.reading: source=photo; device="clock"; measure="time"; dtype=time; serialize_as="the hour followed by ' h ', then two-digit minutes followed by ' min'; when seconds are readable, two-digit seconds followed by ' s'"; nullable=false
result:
4 h 35 min 09 s
